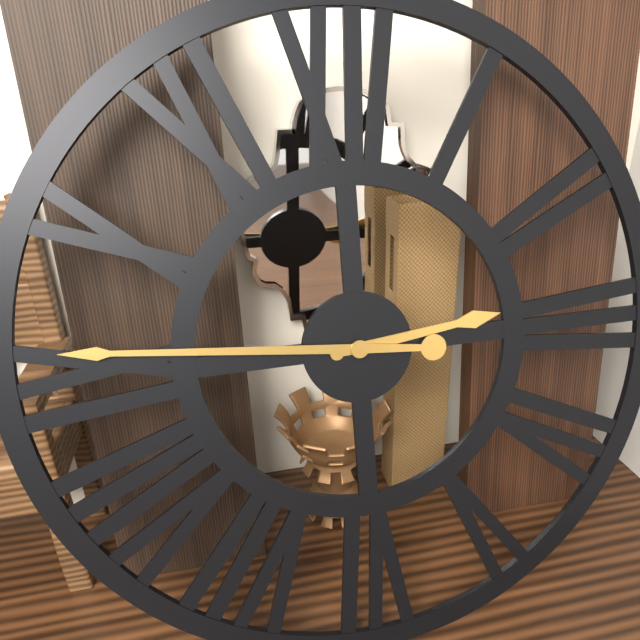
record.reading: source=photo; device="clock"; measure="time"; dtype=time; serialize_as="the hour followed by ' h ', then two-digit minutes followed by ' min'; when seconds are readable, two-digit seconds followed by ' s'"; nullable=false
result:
2 h 46 min
